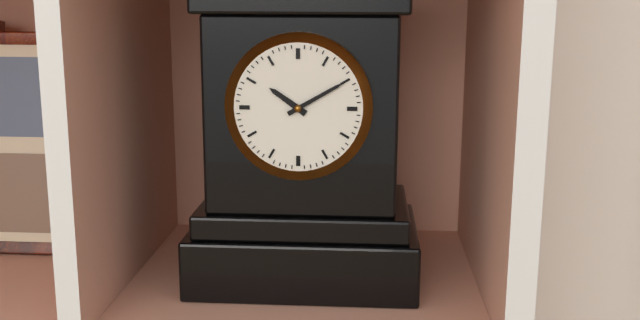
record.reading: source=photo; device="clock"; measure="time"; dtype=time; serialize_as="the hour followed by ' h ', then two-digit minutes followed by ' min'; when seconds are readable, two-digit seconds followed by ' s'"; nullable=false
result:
10 h 10 min
